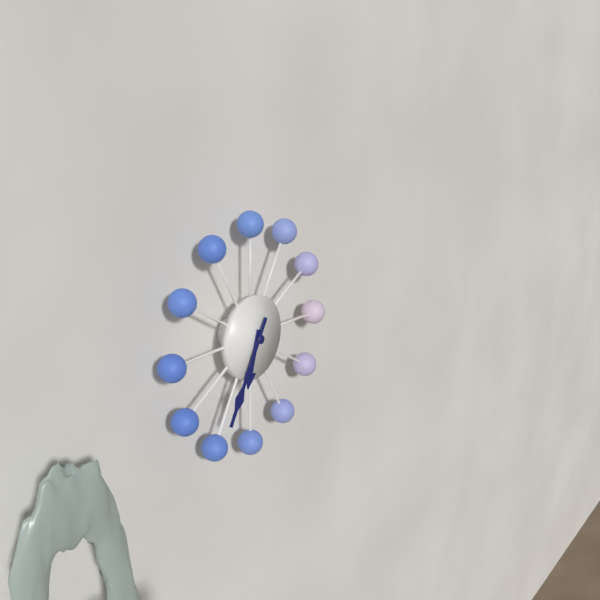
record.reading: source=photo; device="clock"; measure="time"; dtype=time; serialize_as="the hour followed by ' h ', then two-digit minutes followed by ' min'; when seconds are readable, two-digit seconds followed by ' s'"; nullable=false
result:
6 h 35 min
